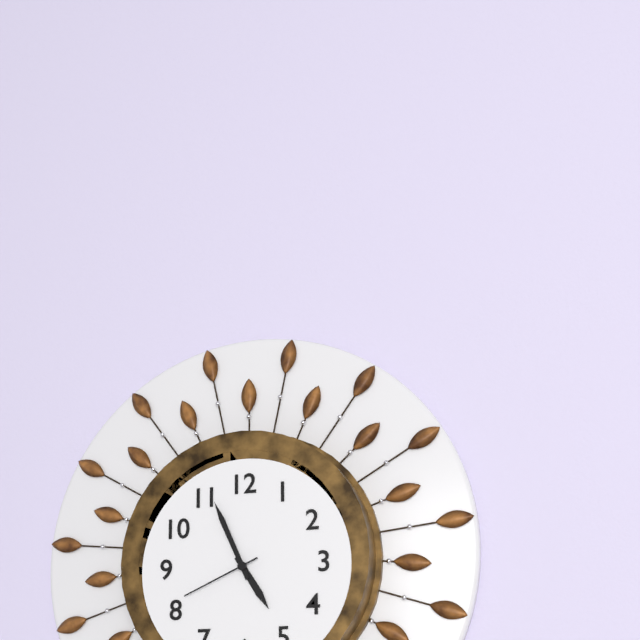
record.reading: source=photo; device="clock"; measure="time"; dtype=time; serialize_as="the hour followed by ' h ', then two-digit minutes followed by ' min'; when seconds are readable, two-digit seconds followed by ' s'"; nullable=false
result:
4 h 56 min 41 s
